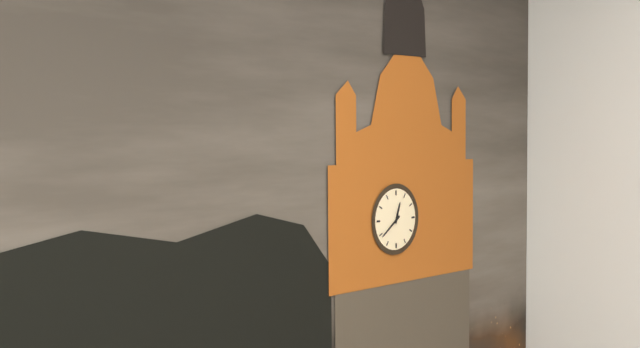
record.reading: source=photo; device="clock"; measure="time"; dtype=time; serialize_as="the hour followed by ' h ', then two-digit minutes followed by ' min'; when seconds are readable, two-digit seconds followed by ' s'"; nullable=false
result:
12 h 39 min
